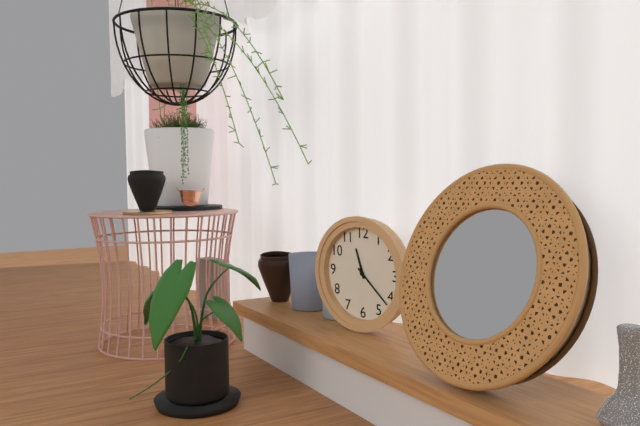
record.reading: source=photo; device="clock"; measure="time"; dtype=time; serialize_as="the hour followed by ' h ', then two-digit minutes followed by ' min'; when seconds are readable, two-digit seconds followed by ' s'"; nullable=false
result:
11 h 22 min
